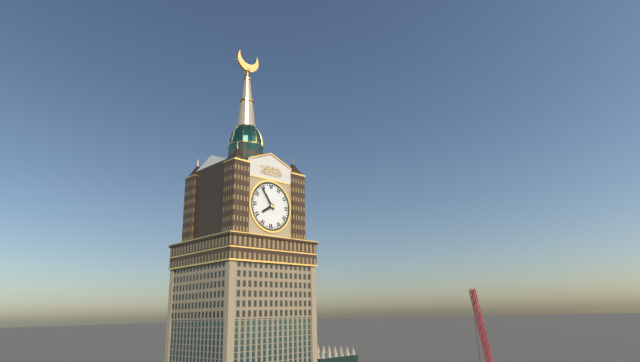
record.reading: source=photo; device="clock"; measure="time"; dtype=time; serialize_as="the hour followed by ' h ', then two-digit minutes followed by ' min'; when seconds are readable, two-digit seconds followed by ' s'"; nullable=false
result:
7 h 54 min
